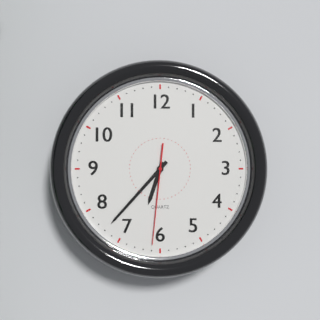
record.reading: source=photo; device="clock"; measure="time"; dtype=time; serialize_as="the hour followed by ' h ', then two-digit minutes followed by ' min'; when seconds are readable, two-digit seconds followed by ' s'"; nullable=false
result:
6 h 37 min 31 s
